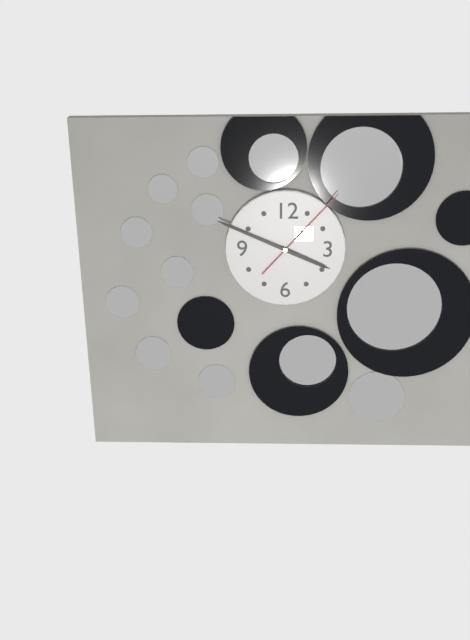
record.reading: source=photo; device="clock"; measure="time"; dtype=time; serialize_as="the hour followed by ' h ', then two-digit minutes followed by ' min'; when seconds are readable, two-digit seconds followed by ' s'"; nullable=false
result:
3 h 49 min 07 s
